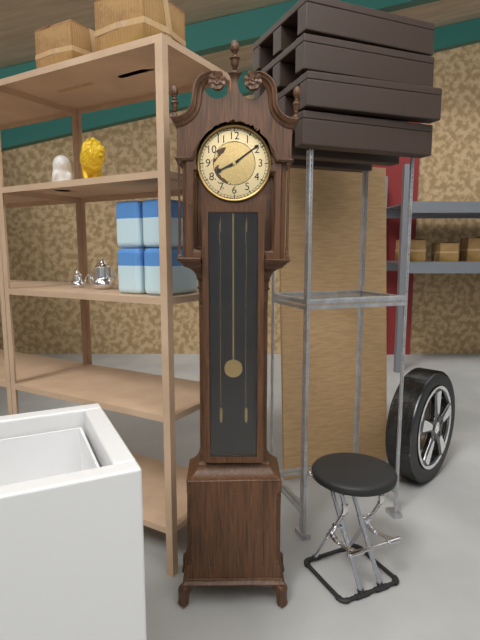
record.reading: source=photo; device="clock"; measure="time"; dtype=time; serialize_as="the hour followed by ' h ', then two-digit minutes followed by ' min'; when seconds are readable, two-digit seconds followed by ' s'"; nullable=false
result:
8 h 09 min
